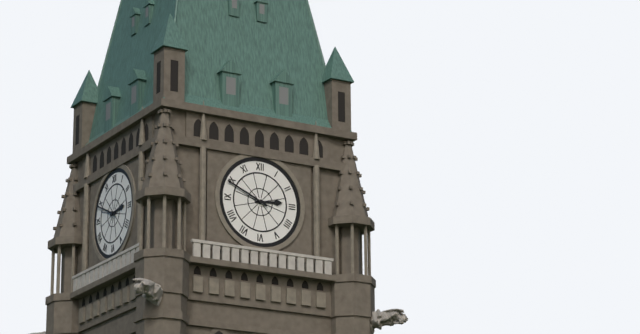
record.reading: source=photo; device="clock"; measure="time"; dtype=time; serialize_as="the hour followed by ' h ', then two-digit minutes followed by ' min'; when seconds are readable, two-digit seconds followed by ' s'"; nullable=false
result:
2 h 49 min
